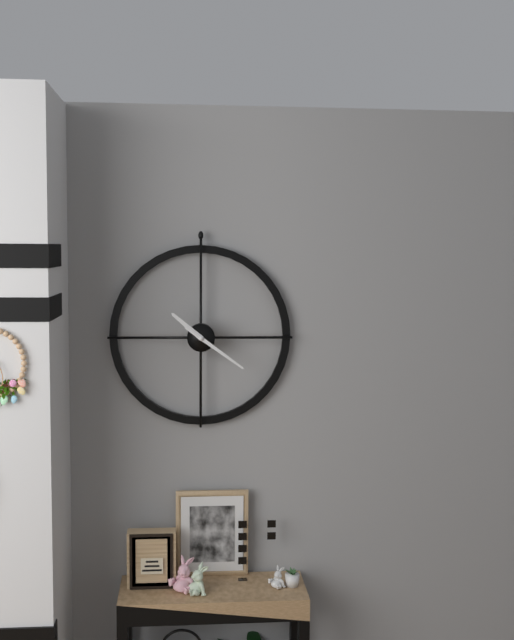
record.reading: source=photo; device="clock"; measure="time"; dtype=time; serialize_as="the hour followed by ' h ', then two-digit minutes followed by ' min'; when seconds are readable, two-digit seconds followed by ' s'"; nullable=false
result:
10 h 21 min
